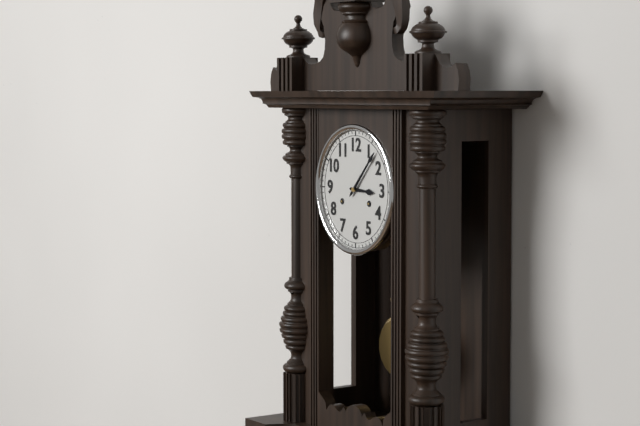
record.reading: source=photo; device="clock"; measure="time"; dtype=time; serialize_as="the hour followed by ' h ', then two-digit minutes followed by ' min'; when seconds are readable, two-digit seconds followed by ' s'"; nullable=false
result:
3 h 07 min
